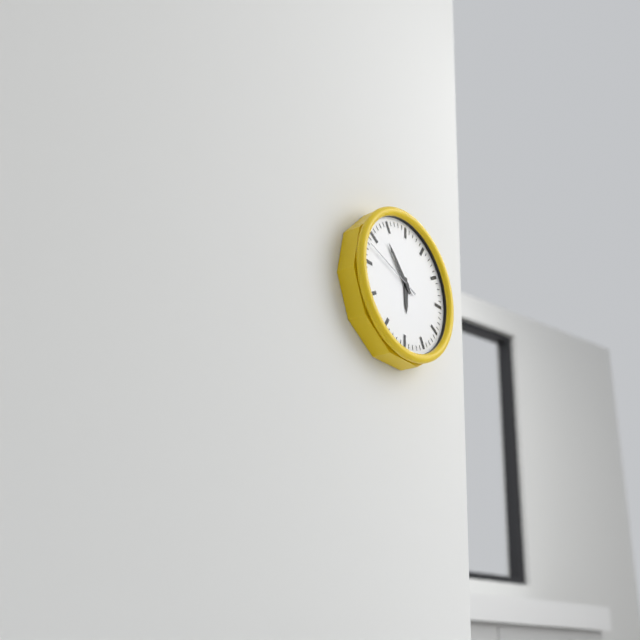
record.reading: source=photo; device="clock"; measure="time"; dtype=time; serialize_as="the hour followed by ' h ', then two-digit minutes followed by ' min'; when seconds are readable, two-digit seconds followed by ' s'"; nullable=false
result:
5 h 53 min 48 s
